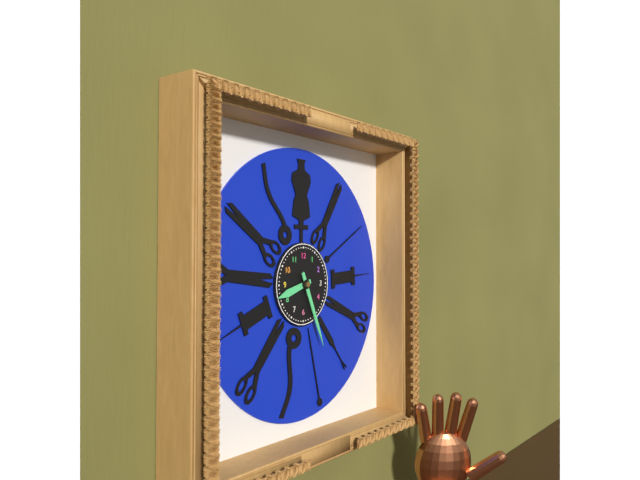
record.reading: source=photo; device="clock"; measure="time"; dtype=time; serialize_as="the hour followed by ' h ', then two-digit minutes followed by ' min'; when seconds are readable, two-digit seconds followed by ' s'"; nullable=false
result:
8 h 26 min
